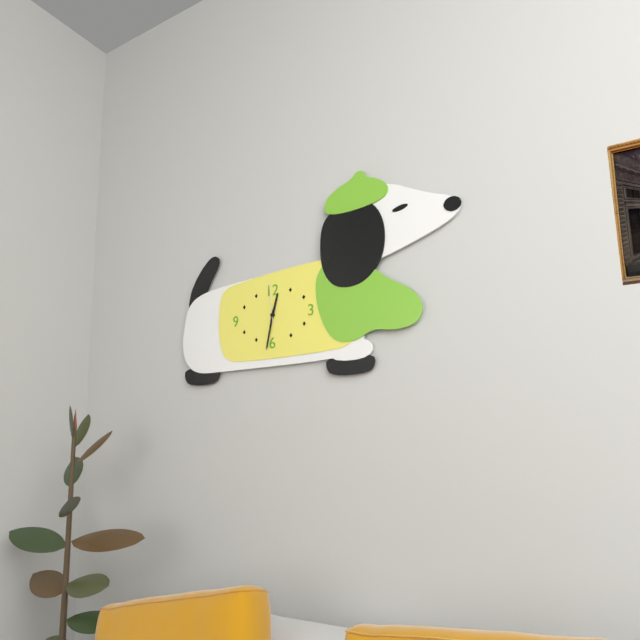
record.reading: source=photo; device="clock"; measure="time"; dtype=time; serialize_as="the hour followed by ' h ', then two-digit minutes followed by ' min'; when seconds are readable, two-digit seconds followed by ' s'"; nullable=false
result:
12 h 32 min
